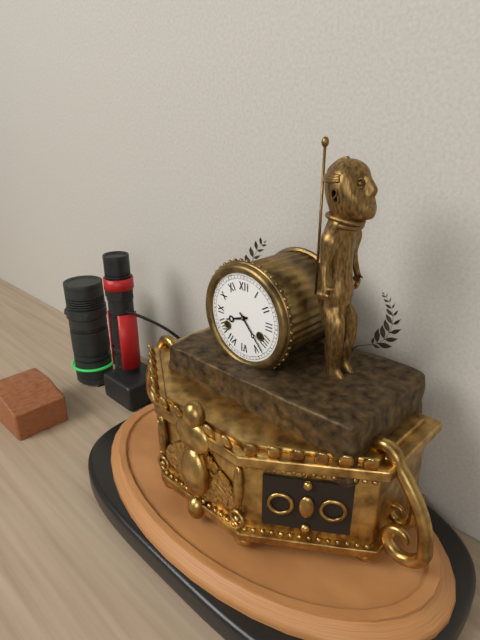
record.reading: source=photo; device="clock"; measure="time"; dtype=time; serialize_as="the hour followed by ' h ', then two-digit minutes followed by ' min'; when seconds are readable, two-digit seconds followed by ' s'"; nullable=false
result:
8 h 23 min
